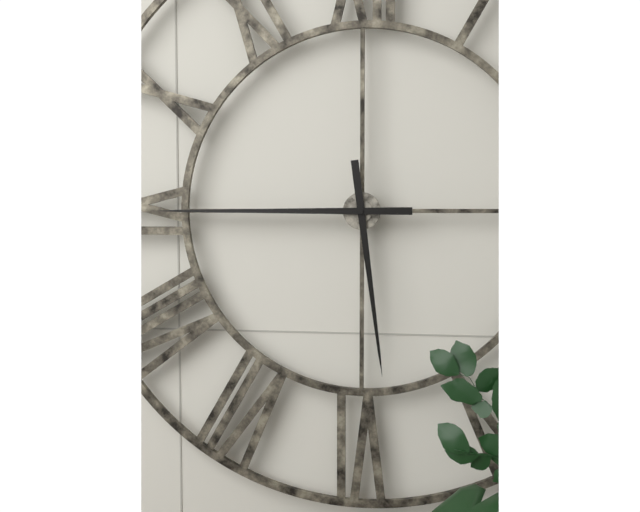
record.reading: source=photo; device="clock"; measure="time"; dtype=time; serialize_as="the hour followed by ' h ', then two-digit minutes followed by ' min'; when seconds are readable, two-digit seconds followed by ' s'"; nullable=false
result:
5 h 45 min
